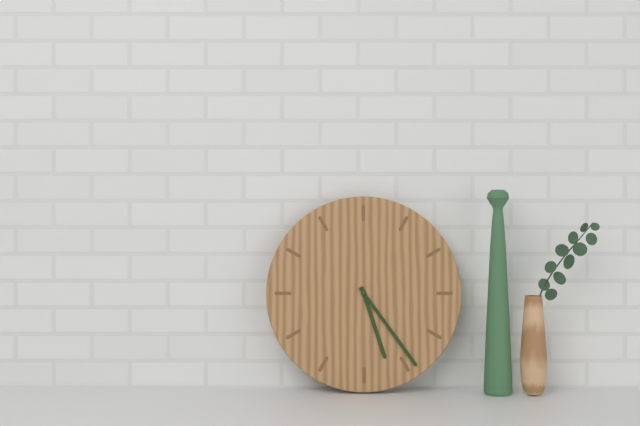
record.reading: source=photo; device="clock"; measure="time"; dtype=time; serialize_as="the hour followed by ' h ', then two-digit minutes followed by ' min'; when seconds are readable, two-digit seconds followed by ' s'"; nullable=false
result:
5 h 24 min
